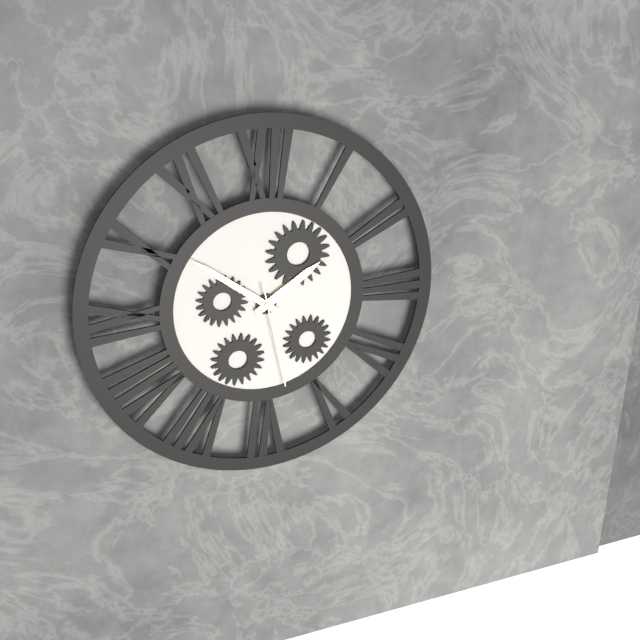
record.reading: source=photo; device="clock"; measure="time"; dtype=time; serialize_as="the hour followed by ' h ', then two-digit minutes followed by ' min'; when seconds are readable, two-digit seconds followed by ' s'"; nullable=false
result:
1 h 51 min 28 s
